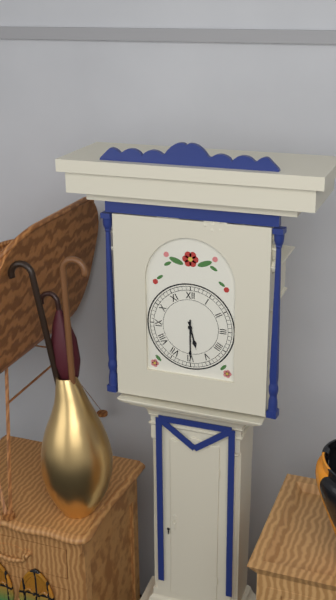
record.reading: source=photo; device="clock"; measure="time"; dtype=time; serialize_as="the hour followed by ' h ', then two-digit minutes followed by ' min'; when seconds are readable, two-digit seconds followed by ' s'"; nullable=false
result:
5 h 30 min
